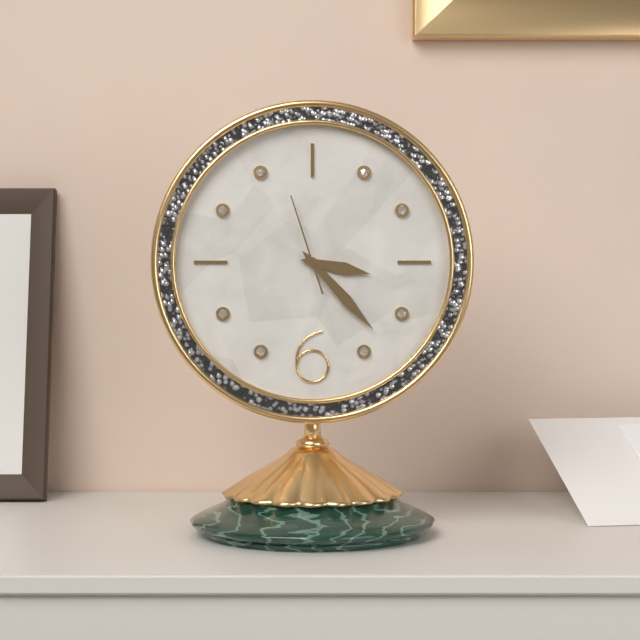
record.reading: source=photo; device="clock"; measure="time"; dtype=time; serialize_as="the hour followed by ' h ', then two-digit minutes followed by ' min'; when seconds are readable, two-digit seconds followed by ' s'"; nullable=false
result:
3 h 23 min 57 s
